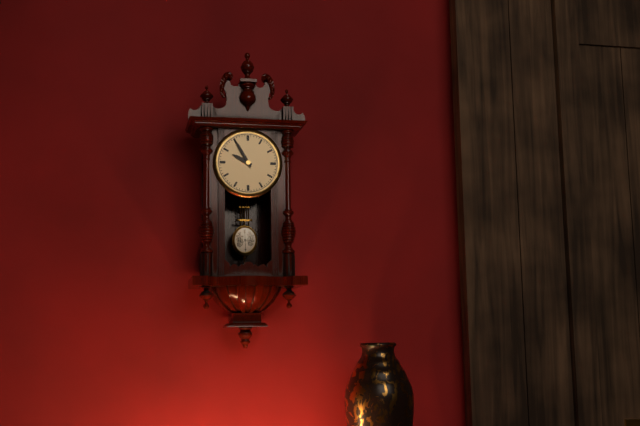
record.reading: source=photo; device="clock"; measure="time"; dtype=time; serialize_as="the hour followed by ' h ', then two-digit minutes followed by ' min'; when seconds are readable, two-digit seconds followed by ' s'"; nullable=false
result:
9 h 55 min
